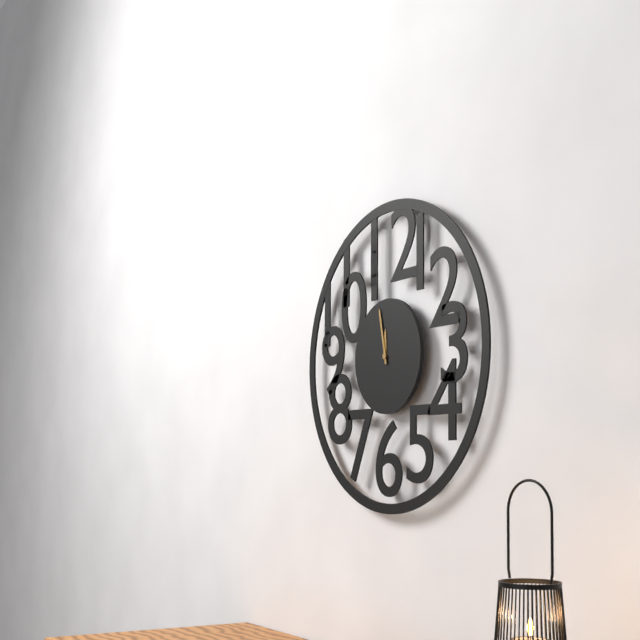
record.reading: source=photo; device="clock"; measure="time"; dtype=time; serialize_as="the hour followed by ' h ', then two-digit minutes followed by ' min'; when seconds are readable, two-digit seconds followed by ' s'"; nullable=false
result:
11 h 58 min
